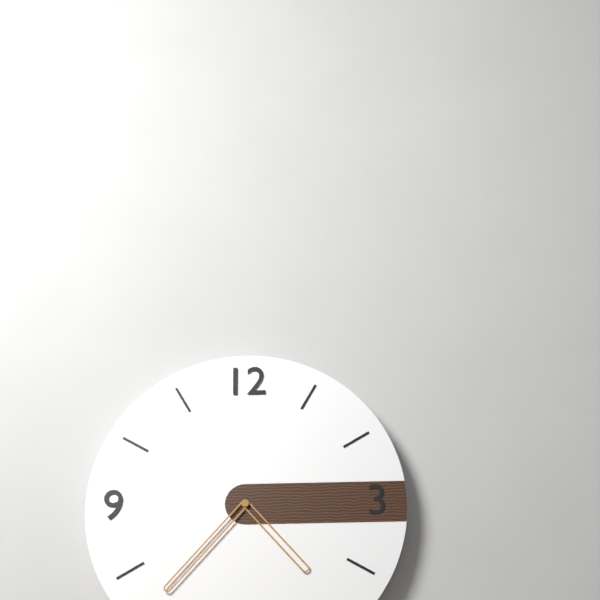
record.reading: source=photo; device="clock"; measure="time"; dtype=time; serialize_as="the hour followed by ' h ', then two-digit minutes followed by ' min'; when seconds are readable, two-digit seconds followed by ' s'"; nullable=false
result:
4 h 37 min
